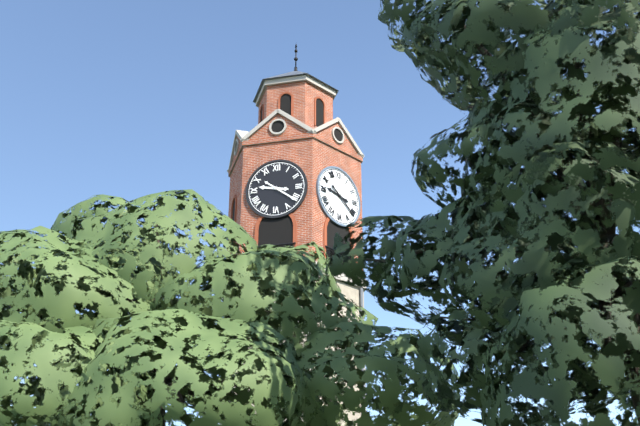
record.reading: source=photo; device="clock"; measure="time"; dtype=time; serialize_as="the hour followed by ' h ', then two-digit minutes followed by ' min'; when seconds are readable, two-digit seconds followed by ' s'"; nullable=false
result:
9 h 21 min
